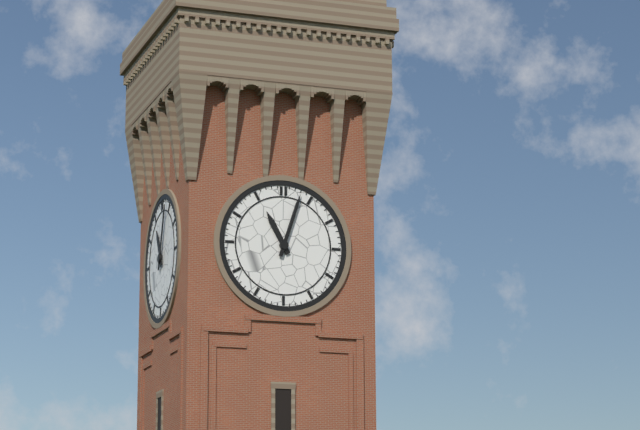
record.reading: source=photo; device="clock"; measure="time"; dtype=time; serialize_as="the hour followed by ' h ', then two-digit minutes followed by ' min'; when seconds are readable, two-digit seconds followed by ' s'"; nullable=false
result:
11 h 03 min
